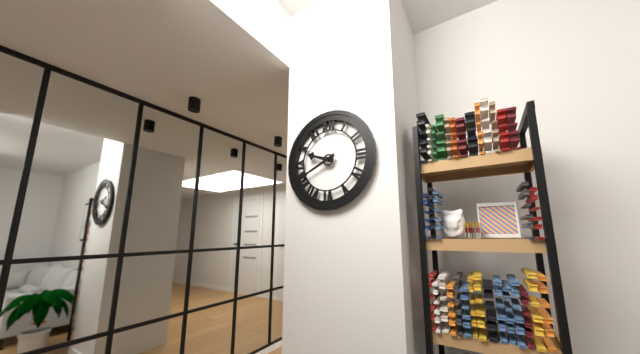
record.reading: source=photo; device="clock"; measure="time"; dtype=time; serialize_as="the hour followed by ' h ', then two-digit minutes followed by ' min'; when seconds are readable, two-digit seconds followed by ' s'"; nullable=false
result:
9 h 41 min
